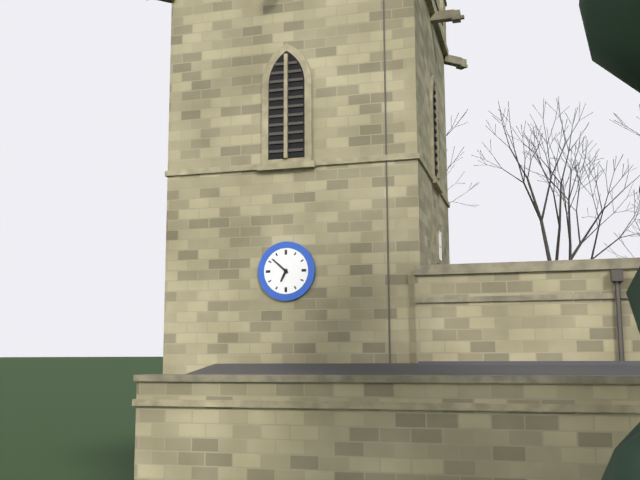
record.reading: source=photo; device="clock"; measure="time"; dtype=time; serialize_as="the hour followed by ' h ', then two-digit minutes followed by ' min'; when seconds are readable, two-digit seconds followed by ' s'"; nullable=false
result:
6 h 52 min
